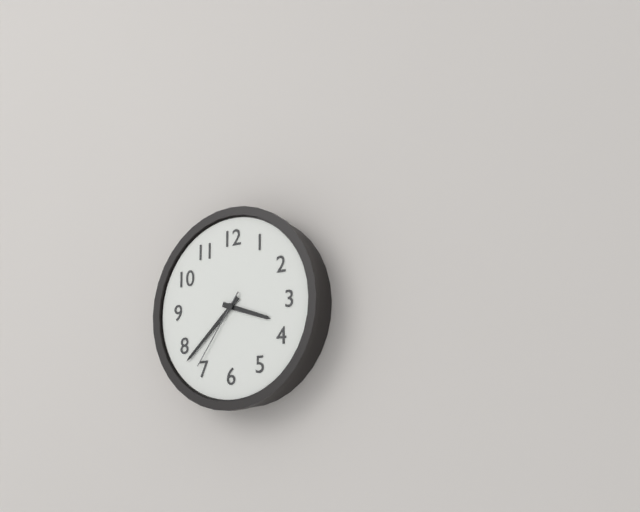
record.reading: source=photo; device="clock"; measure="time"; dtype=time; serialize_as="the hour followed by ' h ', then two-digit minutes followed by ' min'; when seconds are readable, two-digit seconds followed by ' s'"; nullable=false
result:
3 h 38 min 36 s
